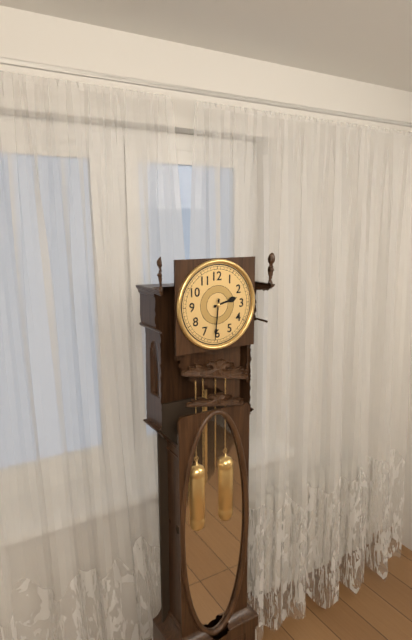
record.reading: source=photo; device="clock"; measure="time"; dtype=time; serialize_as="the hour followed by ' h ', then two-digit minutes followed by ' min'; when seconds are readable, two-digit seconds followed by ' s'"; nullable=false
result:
2 h 31 min
